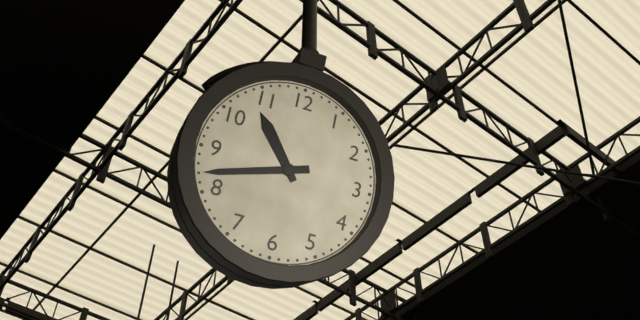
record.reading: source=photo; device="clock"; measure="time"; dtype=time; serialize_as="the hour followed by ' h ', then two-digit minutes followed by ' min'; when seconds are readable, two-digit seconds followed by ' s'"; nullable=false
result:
10 h 42 min
